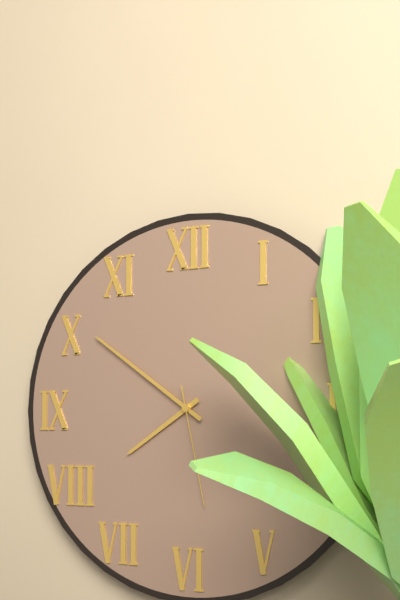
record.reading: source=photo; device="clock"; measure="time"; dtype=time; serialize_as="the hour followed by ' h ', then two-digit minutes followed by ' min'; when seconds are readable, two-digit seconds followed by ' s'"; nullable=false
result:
7 h 51 min 28 s
